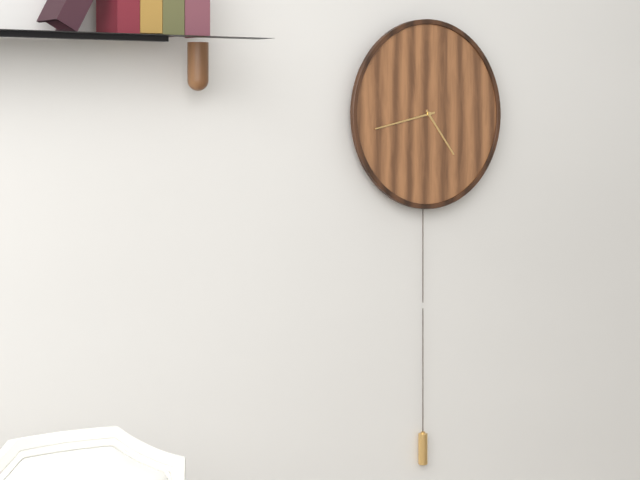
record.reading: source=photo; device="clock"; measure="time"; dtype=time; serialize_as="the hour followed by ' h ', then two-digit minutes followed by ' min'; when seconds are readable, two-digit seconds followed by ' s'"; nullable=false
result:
4 h 43 min
